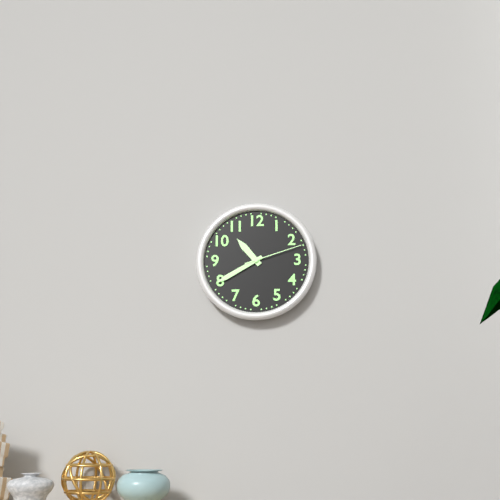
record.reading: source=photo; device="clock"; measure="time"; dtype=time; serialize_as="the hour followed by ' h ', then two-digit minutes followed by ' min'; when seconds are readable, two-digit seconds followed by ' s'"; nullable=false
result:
10 h 40 min 12 s
